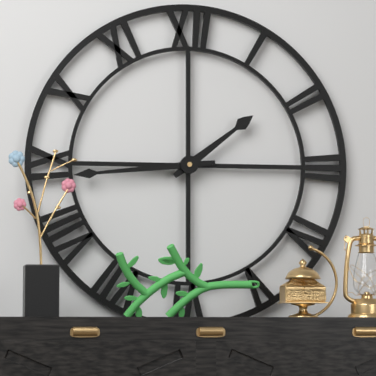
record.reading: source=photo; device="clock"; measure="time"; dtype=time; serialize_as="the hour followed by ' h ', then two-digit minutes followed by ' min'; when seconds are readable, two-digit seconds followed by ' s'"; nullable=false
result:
1 h 44 min
